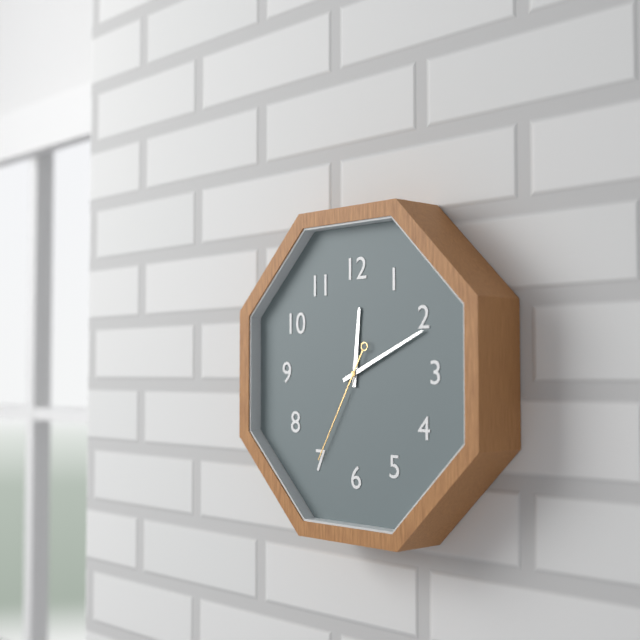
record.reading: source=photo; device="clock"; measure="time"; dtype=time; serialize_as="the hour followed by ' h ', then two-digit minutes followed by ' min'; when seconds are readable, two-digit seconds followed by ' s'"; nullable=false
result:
12 h 11 min 35 s
